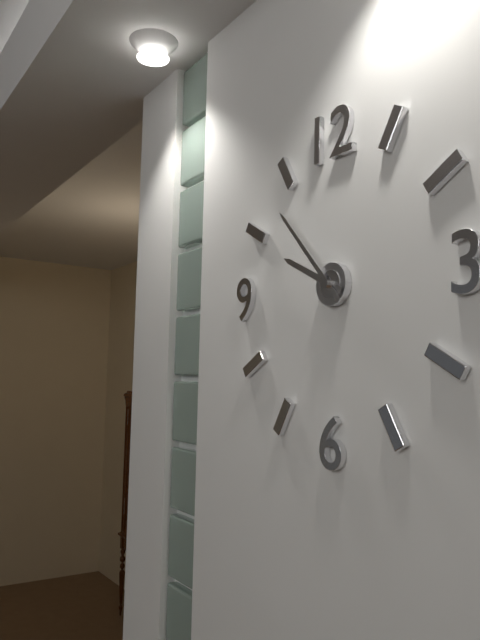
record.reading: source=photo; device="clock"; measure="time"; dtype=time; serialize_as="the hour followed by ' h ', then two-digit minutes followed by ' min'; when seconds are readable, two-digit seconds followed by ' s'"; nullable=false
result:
9 h 53 min
